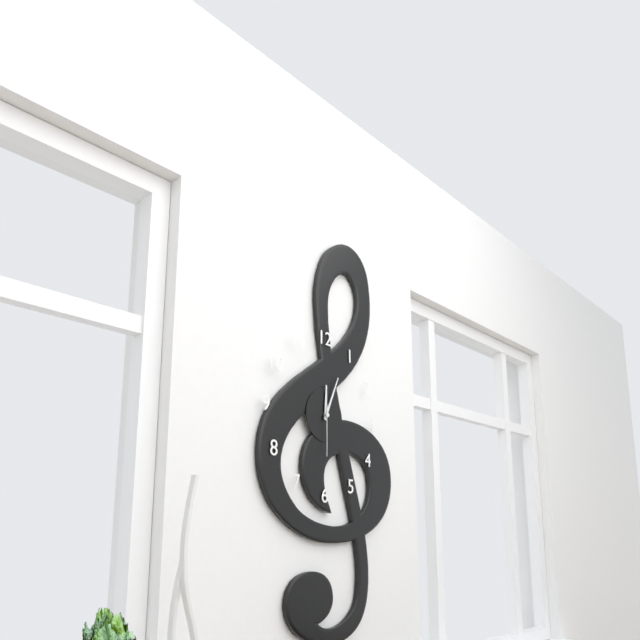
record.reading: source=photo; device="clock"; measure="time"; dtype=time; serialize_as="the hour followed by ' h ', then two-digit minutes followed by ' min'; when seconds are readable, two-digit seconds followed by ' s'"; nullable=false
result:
12 h 04 min 30 s
